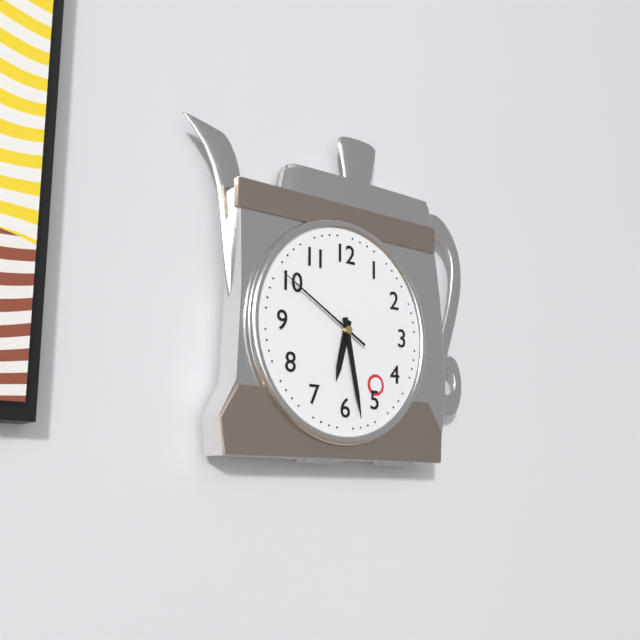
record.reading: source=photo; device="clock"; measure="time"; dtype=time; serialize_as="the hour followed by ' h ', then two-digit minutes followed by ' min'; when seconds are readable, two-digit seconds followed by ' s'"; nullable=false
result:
6 h 28 min 50 s
